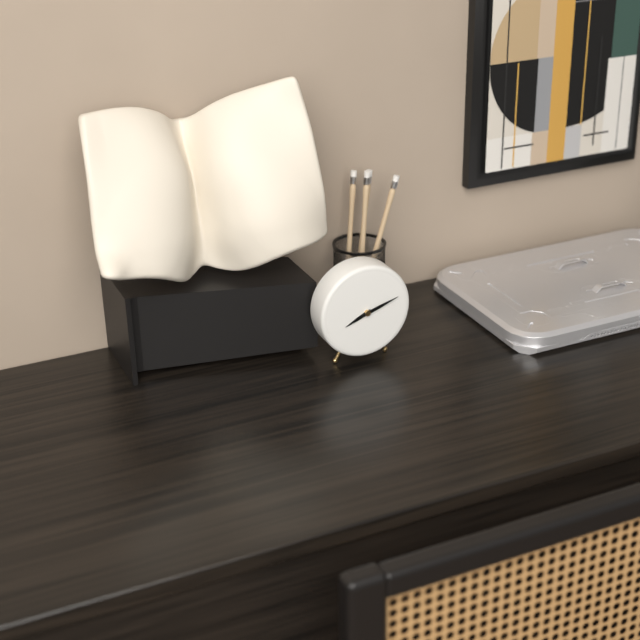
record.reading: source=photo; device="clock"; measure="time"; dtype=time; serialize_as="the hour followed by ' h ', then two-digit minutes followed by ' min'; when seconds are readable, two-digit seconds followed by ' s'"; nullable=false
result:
8 h 12 min
